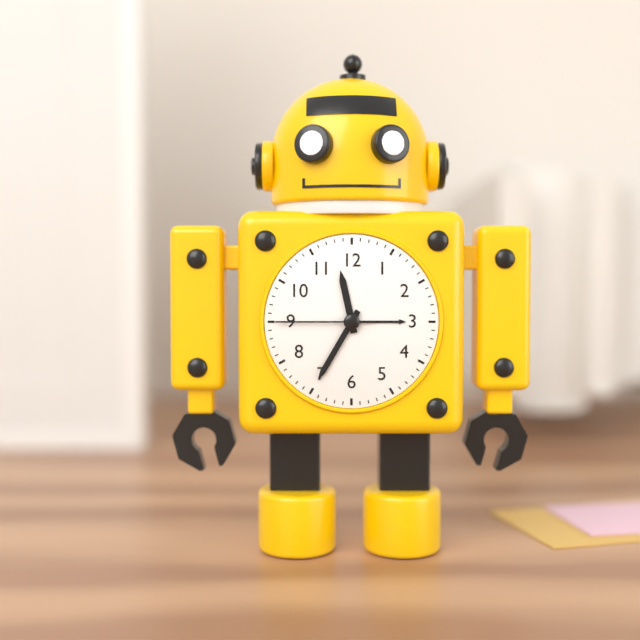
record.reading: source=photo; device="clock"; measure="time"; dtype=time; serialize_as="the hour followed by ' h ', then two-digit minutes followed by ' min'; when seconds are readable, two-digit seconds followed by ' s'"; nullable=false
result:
11 h 35 min 45 s
